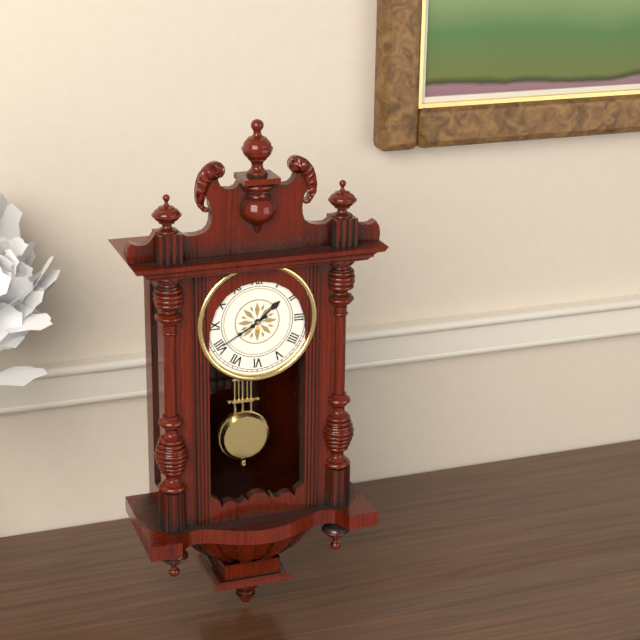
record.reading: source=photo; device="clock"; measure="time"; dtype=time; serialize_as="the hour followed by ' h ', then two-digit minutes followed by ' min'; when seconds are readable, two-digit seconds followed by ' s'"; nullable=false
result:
1 h 40 min
